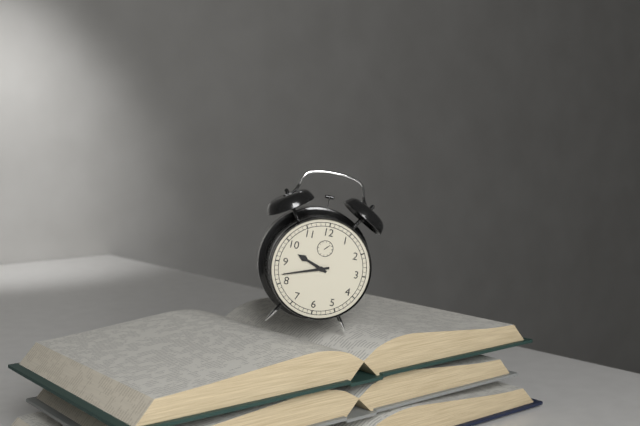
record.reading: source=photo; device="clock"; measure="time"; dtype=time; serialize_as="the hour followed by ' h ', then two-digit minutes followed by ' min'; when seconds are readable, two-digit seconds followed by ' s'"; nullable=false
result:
9 h 42 min
